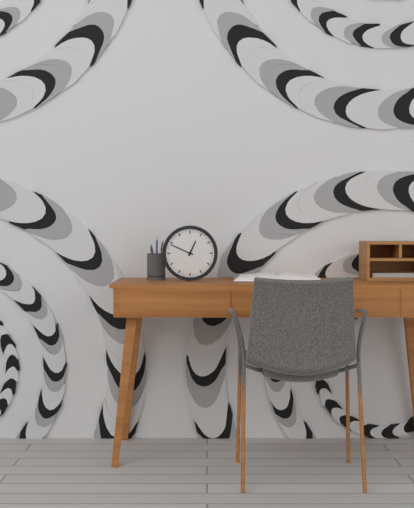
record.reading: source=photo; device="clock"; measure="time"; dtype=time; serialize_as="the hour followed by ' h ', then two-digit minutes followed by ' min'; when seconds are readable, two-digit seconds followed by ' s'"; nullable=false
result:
12 h 49 min
